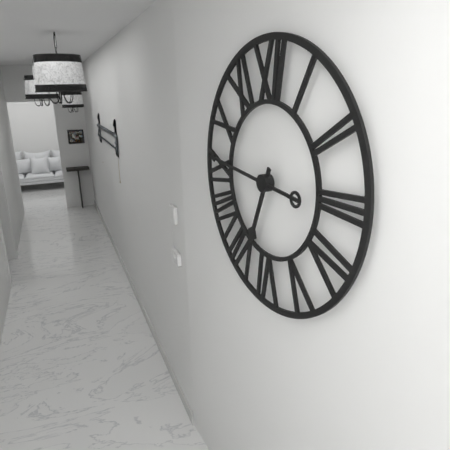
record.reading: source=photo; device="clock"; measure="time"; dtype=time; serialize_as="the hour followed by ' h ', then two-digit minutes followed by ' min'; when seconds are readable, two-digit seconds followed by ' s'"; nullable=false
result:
6 h 46 min
